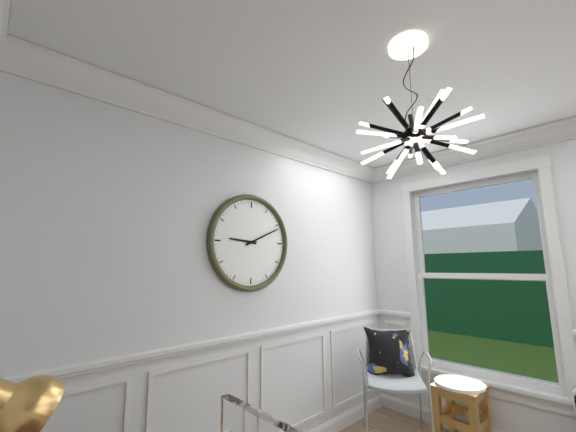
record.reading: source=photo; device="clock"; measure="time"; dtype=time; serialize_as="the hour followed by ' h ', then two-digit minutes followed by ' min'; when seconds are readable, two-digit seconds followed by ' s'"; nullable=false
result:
9 h 11 min
